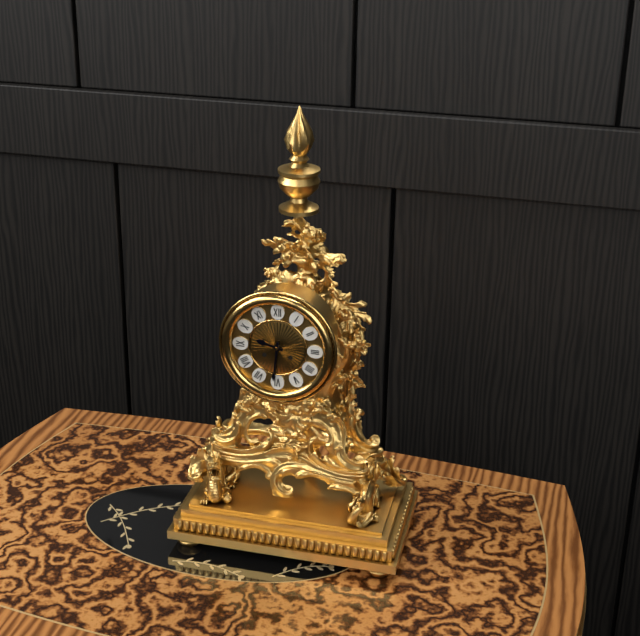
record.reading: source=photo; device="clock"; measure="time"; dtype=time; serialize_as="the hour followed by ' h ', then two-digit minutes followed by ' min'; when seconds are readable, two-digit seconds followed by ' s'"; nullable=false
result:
9 h 31 min
